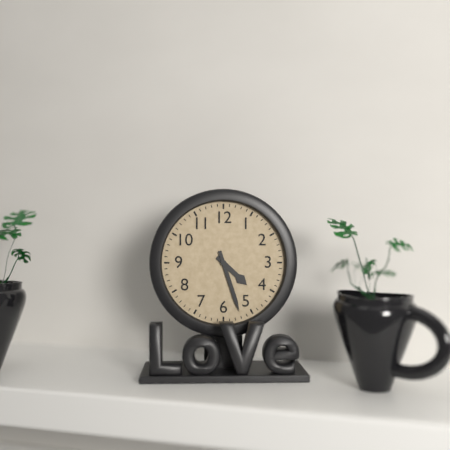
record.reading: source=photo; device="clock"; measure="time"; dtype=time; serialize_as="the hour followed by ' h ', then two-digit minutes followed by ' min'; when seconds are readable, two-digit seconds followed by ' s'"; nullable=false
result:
4 h 27 min
